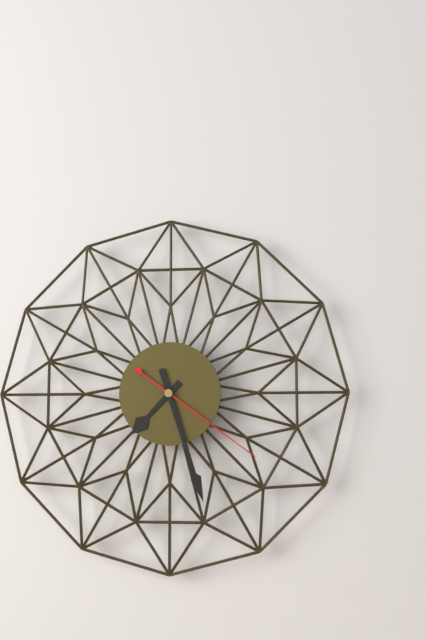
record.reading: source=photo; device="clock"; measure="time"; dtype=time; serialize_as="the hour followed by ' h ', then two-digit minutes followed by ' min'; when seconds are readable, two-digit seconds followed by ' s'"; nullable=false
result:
7 h 27 min 21 s
